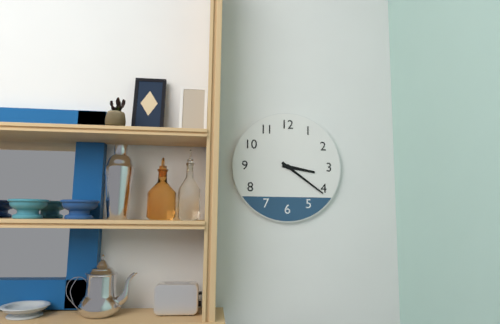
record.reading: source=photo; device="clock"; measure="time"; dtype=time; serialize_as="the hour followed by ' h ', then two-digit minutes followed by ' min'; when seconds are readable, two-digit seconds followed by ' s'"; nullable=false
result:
3 h 21 min
